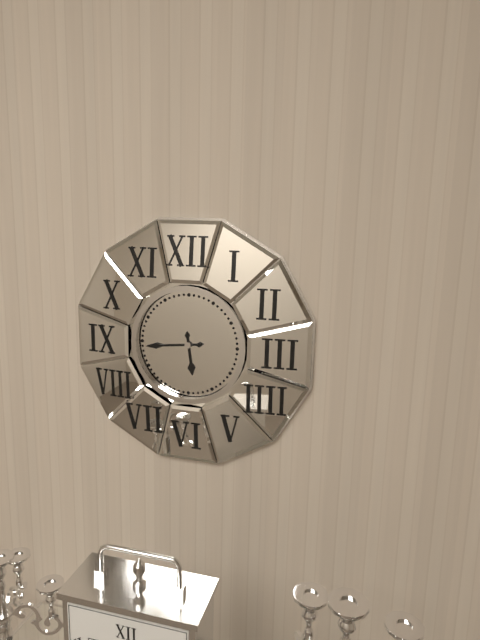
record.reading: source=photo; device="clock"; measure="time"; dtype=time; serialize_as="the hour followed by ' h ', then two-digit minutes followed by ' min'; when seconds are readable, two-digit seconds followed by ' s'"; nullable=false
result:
5 h 44 min
